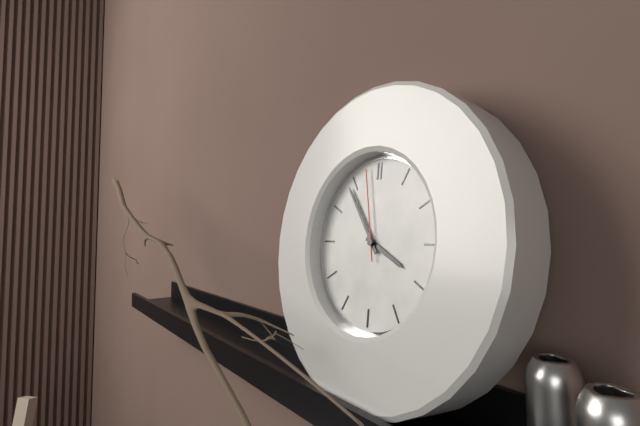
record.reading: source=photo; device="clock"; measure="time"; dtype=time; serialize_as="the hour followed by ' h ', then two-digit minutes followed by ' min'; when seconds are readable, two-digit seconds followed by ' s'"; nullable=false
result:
3 h 54 min 58 s
